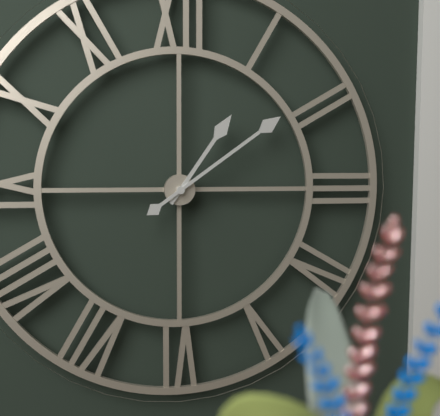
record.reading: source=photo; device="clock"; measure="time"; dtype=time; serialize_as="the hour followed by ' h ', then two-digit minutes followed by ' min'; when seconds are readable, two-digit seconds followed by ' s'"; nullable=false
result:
1 h 09 min
